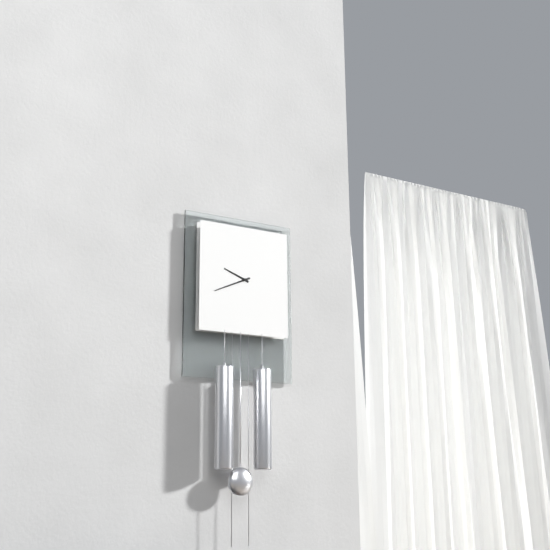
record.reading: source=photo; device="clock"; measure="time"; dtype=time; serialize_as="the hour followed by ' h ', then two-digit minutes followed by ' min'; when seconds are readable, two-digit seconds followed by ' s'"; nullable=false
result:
9 h 41 min
